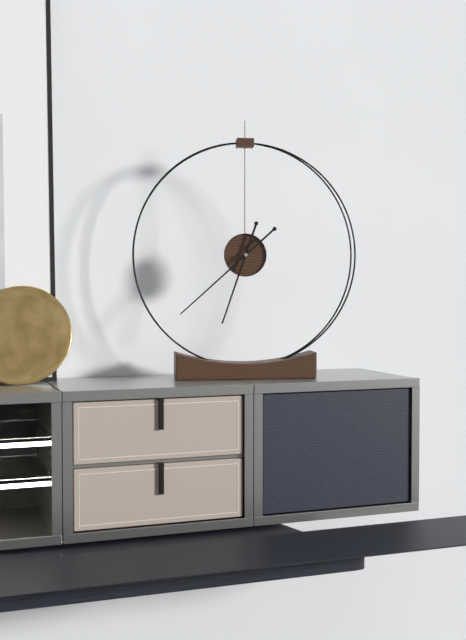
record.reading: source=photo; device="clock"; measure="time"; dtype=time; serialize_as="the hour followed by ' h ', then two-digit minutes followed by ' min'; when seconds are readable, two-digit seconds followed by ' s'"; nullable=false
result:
6 h 38 min
